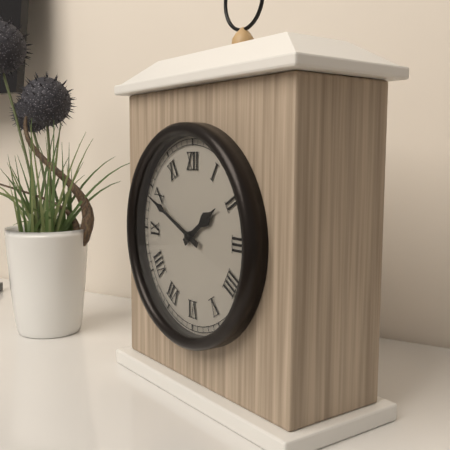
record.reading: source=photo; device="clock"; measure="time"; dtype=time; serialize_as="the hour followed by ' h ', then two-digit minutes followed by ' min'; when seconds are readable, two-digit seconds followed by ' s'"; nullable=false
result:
1 h 49 min
